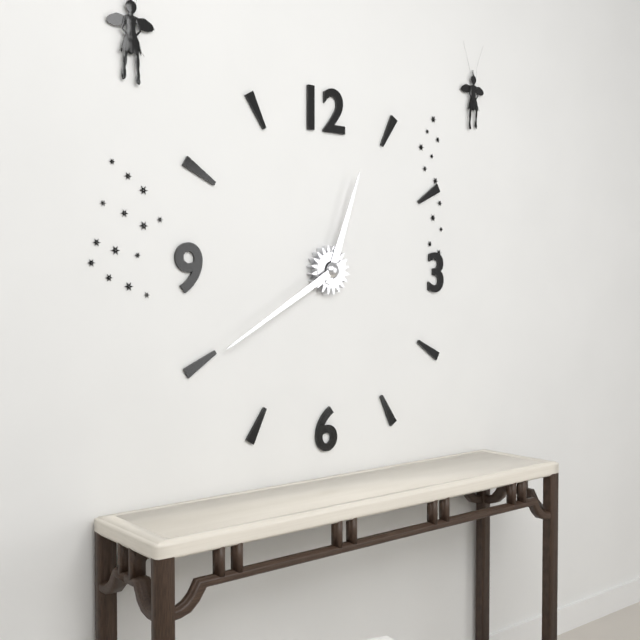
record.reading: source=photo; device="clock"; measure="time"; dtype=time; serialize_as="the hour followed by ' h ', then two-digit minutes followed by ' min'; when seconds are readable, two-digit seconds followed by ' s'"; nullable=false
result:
12 h 40 min
